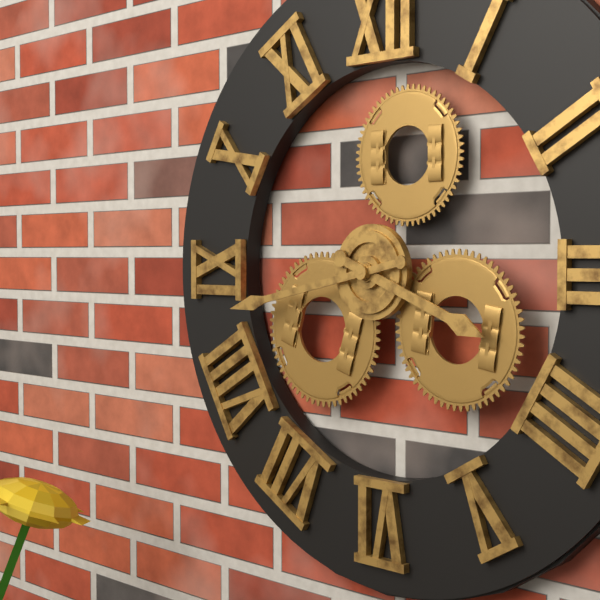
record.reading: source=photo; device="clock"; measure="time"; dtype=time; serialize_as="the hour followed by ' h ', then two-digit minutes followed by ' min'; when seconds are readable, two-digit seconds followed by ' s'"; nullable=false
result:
3 h 43 min
